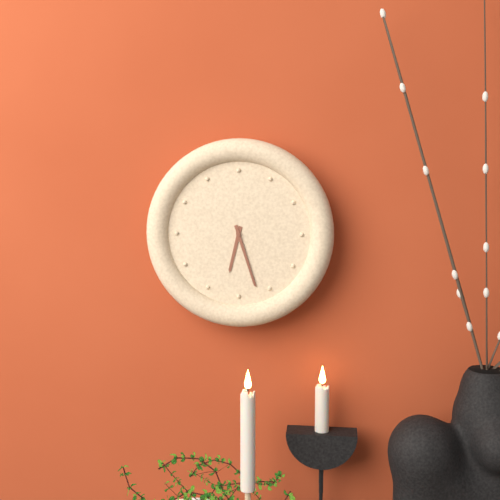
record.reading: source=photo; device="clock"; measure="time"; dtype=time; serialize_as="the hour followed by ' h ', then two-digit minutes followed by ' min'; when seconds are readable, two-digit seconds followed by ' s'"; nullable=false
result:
6 h 27 min
